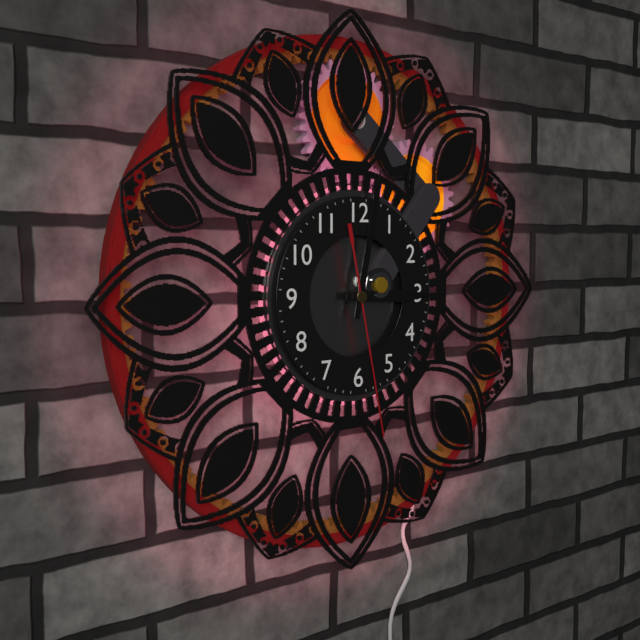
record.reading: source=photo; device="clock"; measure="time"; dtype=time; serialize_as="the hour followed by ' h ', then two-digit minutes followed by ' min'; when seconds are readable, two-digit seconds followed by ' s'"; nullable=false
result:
3 h 02 min 28 s
